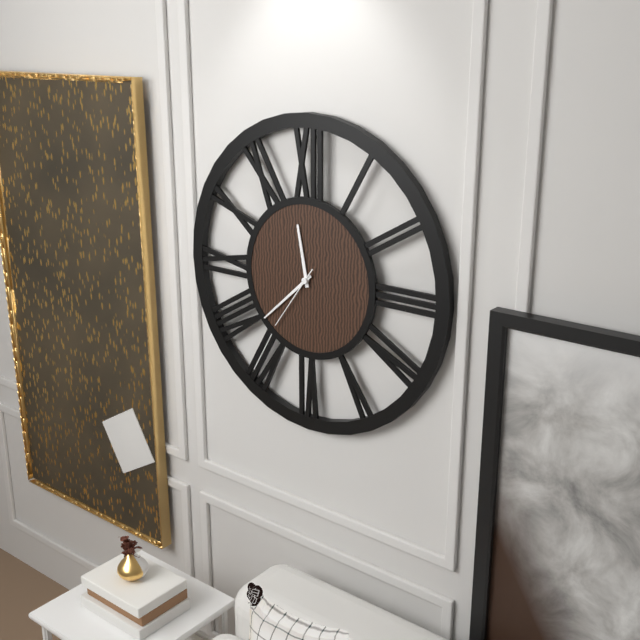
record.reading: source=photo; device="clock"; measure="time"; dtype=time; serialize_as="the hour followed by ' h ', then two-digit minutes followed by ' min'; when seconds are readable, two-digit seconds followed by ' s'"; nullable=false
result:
11 h 38 min 36 s
